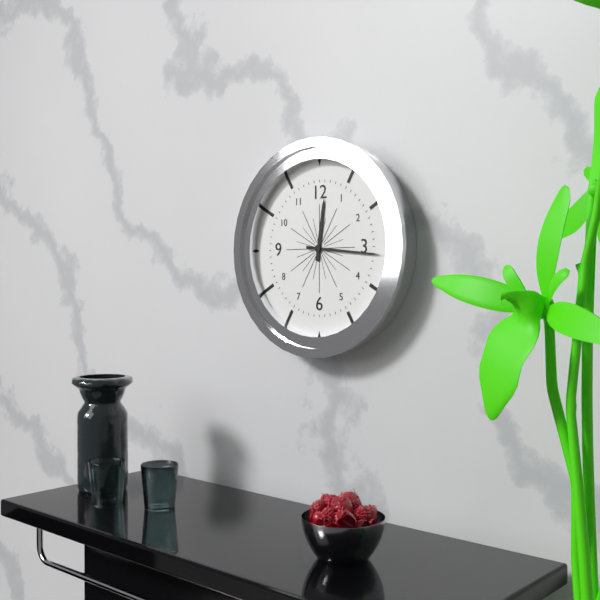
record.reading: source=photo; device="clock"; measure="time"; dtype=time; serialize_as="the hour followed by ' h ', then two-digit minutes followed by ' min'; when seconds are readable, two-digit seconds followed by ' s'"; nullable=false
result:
12 h 16 min
